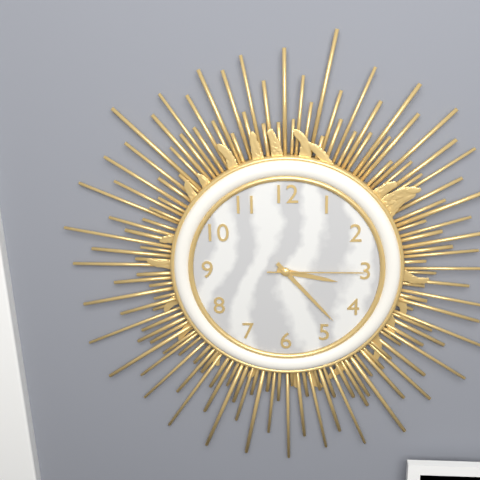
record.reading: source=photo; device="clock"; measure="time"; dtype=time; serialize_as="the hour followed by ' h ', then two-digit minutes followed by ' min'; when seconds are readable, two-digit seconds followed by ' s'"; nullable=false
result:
3 h 23 min 15 s
